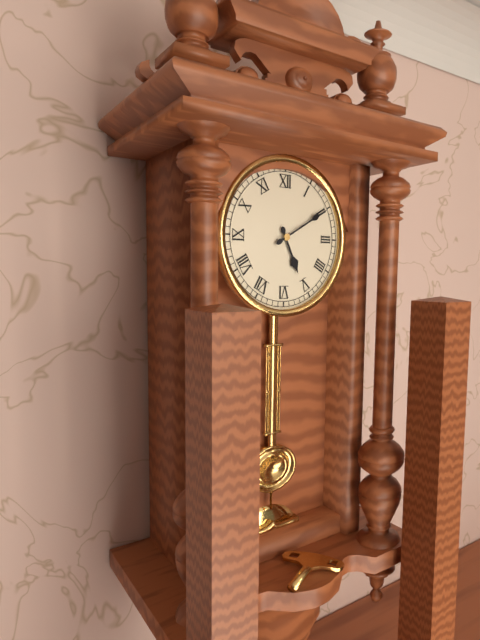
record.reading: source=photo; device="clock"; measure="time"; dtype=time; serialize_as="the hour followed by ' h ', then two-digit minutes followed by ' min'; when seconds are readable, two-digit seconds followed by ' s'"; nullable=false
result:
5 h 10 min
